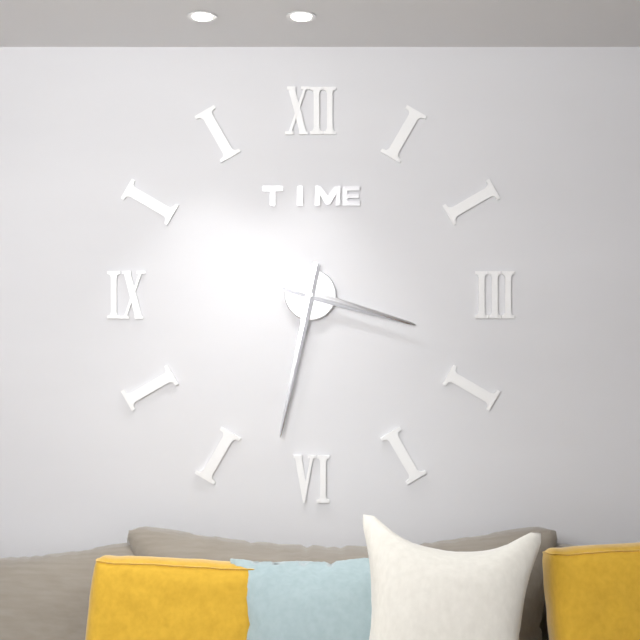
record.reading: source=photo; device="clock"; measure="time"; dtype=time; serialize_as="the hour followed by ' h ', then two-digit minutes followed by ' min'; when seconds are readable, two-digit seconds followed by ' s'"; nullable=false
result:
3 h 32 min
